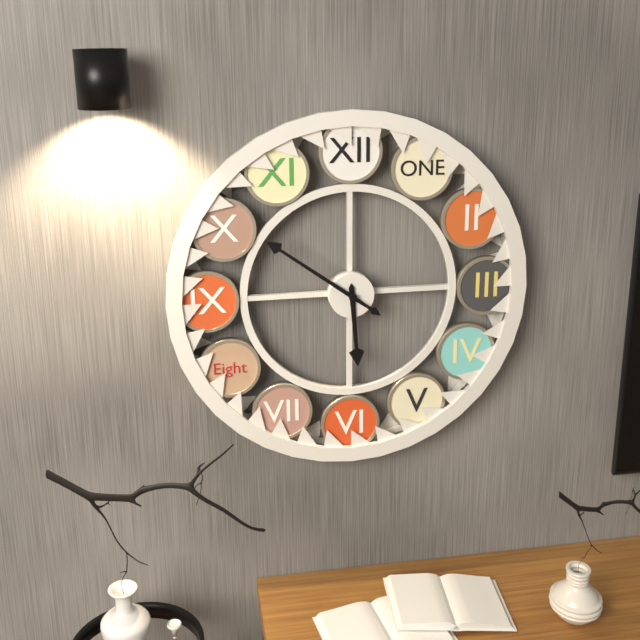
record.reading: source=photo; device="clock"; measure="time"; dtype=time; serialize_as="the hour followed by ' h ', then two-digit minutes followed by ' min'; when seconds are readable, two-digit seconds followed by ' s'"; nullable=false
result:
5 h 51 min
